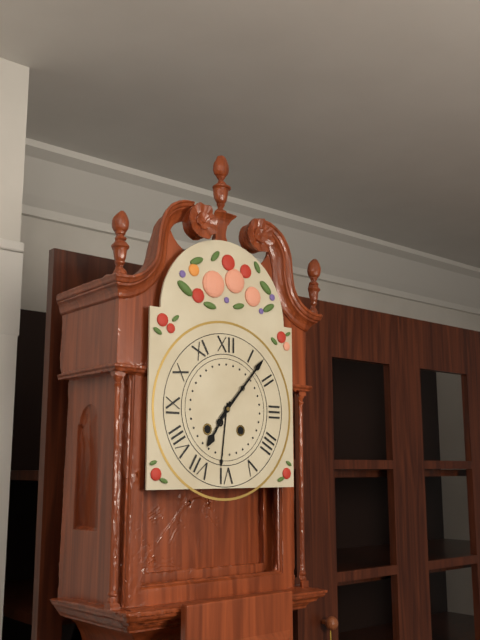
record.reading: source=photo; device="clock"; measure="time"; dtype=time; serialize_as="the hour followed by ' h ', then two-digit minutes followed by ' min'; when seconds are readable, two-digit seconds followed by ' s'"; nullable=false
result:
7 h 07 min
